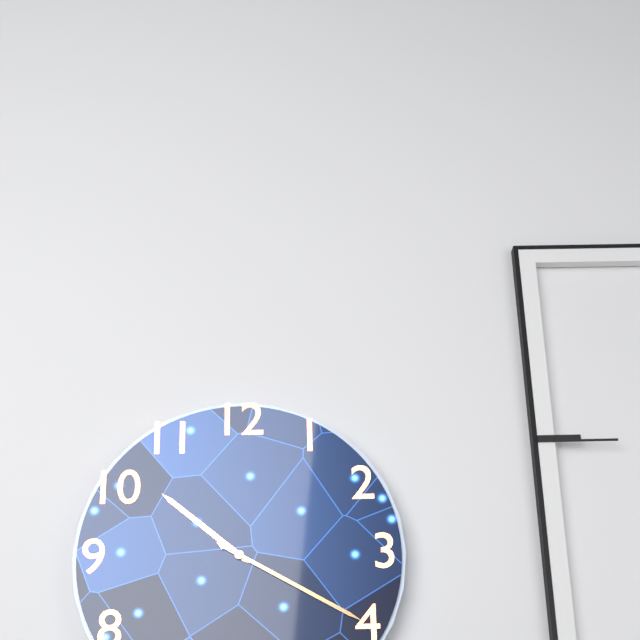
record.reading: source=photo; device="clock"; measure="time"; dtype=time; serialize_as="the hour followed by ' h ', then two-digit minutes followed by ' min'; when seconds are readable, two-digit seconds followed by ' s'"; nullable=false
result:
10 h 20 min
